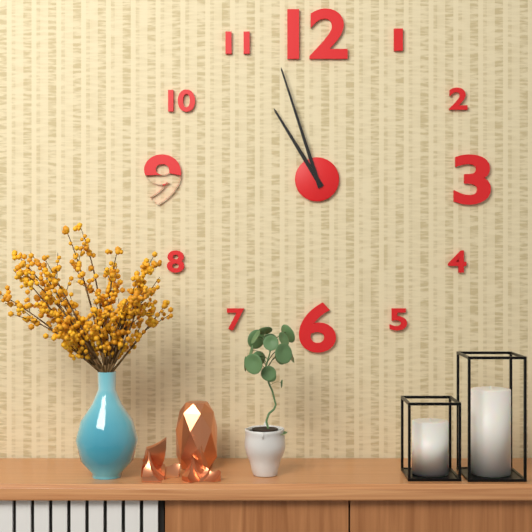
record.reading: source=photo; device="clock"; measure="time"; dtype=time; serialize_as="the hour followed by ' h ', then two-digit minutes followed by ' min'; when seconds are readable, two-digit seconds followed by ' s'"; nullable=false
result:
10 h 57 min
